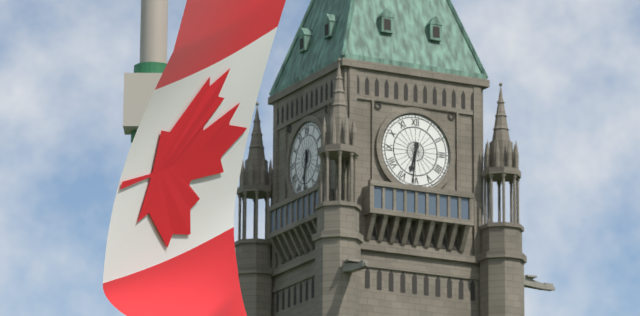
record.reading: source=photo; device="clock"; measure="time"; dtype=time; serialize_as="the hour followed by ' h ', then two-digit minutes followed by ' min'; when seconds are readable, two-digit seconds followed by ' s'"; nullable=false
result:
6 h 31 min
